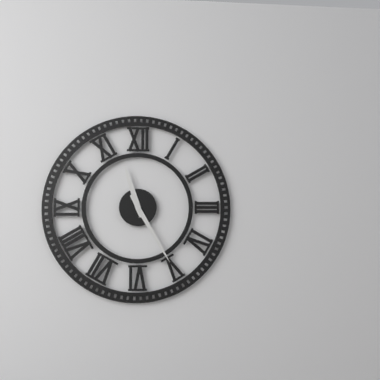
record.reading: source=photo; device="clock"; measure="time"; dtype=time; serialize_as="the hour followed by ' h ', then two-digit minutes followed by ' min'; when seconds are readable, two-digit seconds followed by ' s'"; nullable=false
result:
11 h 25 min
